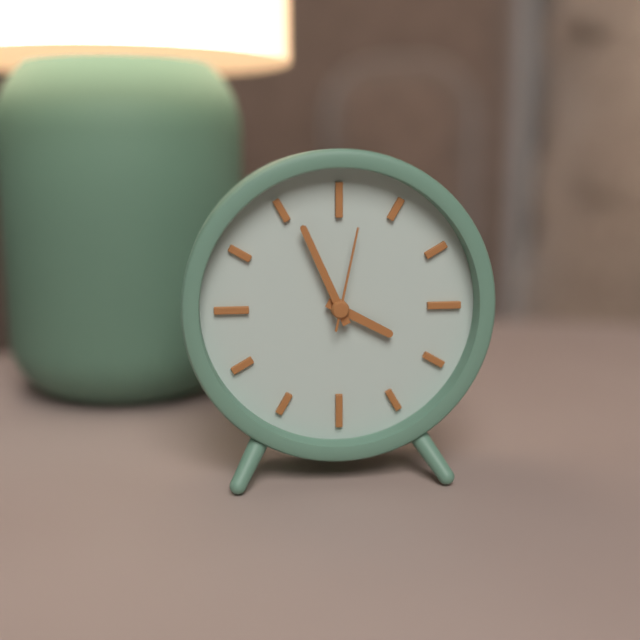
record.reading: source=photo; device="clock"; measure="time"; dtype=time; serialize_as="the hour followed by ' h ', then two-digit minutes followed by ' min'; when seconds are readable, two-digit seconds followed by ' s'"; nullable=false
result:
3 h 56 min 02 s
